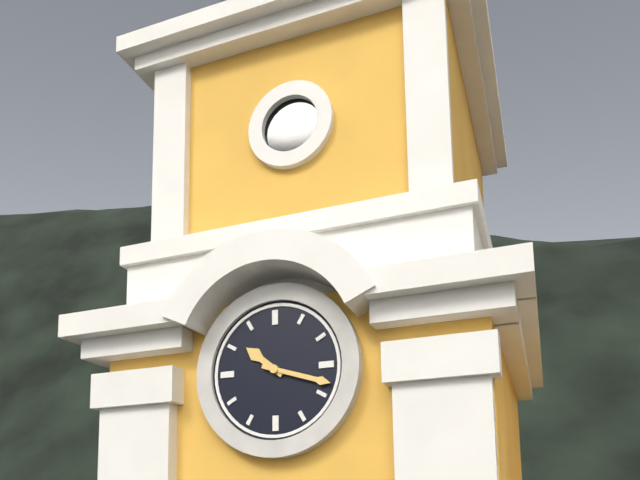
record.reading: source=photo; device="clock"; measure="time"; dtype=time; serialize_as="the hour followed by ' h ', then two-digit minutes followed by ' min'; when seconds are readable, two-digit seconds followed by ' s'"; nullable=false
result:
10 h 18 min
